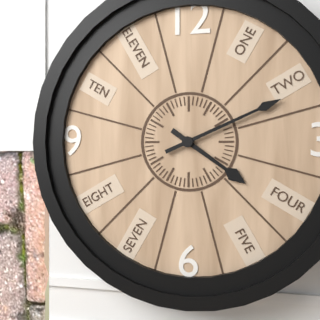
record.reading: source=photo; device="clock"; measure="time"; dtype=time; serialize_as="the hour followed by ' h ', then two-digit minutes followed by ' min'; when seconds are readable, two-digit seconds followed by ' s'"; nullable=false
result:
4 h 11 min
